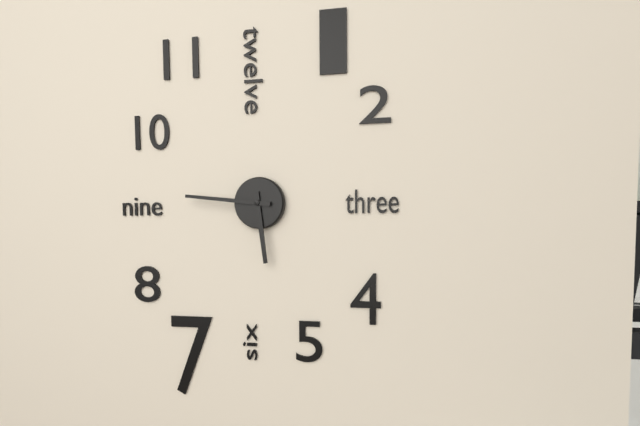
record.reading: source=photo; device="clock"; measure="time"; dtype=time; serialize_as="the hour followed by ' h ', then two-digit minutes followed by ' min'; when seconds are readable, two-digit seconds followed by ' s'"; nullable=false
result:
5 h 46 min
